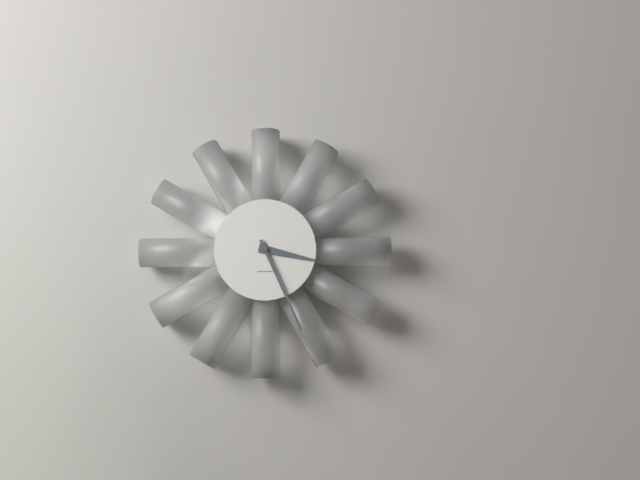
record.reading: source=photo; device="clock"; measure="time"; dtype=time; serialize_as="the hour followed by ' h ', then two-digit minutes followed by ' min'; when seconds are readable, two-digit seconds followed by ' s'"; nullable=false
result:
3 h 26 min
